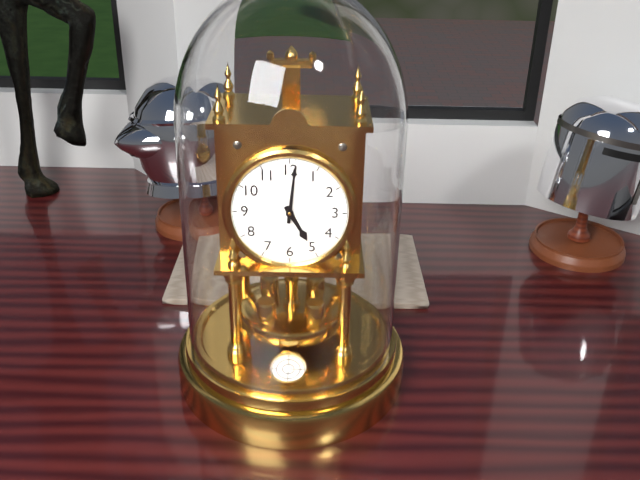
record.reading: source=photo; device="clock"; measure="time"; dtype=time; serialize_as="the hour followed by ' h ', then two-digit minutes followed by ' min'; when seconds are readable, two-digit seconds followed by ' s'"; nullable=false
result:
5 h 01 min
